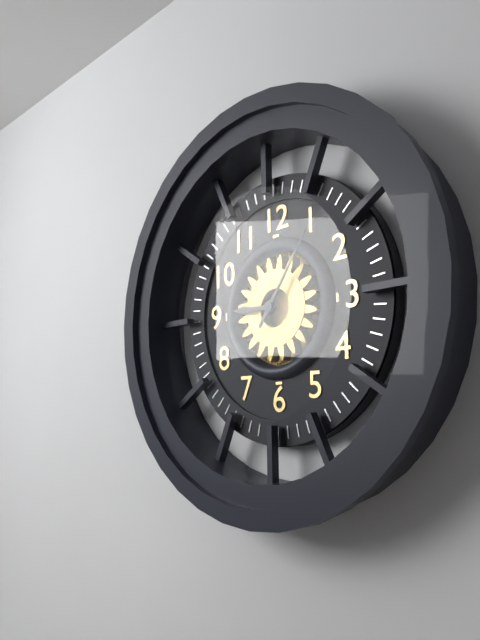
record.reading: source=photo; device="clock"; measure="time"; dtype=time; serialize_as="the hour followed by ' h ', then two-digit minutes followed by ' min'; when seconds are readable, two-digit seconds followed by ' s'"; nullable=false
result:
9 h 06 min
